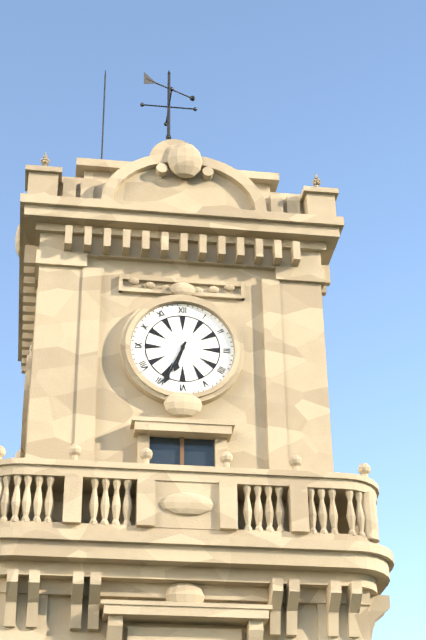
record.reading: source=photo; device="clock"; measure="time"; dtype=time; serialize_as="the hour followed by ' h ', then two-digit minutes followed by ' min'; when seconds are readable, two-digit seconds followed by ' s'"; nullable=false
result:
6 h 34 min
